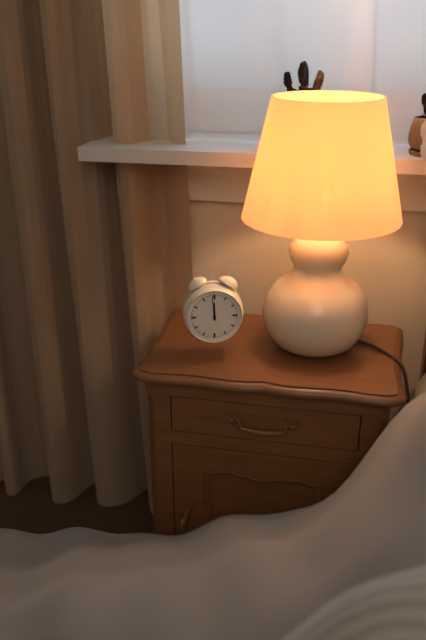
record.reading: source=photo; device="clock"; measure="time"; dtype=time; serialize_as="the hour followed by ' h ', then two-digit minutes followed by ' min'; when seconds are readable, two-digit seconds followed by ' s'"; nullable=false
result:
11 h 59 min
